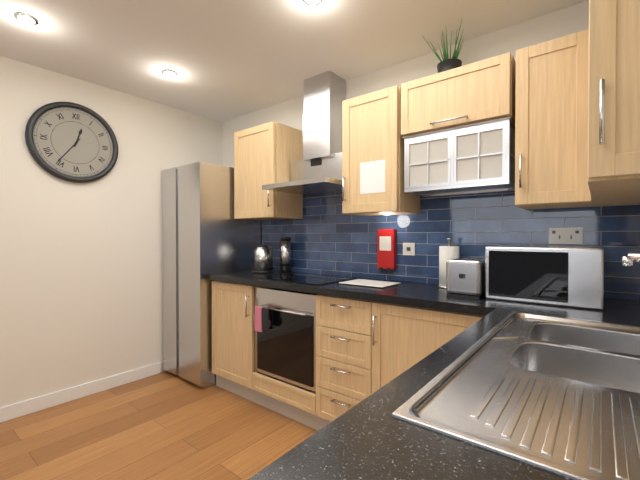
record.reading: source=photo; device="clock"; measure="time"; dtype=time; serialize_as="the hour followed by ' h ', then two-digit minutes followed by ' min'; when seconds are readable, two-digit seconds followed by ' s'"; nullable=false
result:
12 h 36 min
